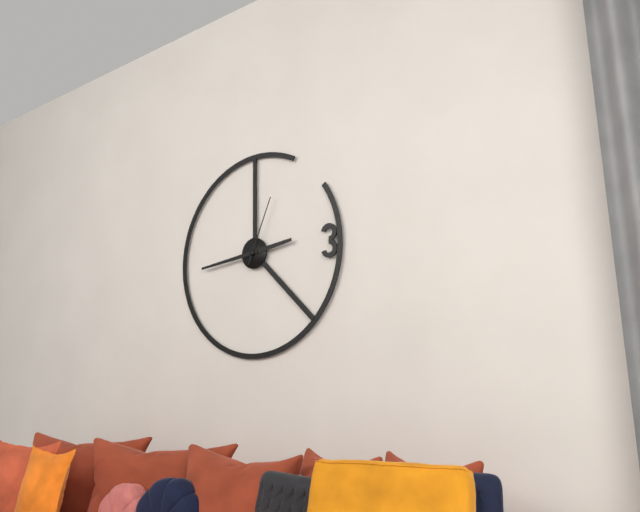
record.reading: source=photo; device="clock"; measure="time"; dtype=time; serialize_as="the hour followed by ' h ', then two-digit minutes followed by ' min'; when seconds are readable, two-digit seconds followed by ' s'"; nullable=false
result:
2 h 44 min 04 s
